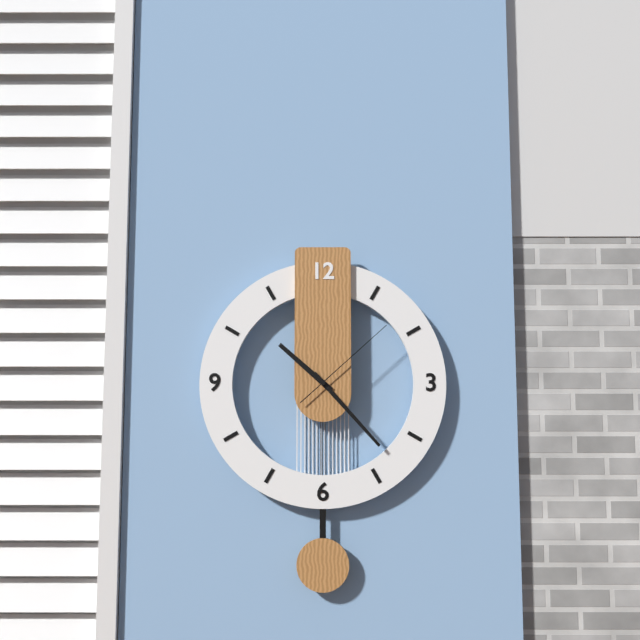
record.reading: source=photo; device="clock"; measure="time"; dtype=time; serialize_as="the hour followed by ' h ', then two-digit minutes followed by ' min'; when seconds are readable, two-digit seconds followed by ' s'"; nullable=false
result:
10 h 23 min 08 s
